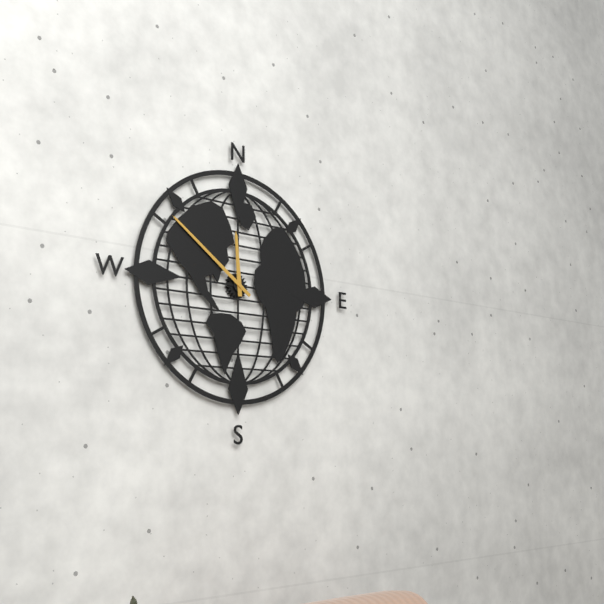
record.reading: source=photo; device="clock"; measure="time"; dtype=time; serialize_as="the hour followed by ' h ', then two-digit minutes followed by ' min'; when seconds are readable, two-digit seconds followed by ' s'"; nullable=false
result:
11 h 51 min
